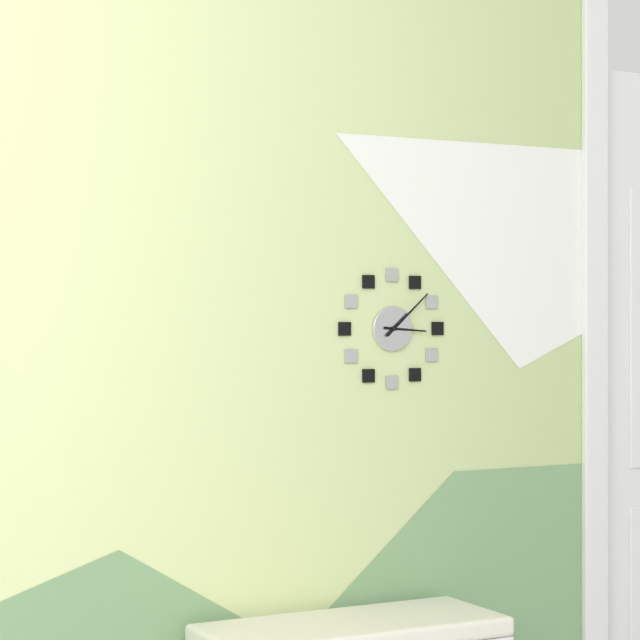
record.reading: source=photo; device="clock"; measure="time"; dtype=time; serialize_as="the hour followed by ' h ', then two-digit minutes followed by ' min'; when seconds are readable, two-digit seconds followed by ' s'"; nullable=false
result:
3 h 08 min
